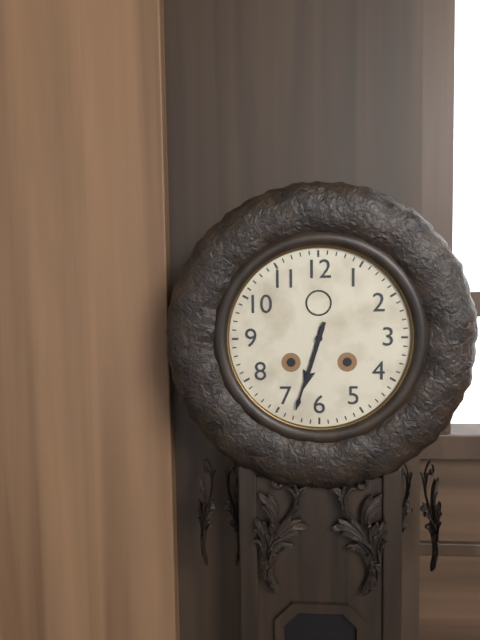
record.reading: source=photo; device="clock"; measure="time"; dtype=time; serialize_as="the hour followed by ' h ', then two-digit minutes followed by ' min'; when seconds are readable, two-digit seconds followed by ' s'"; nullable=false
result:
6 h 33 min
